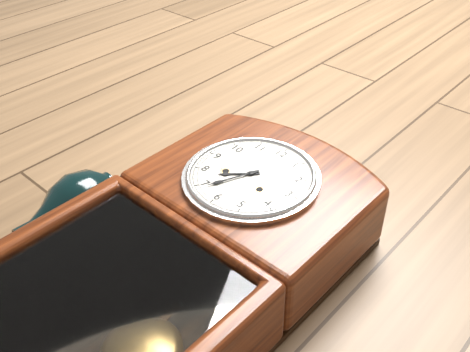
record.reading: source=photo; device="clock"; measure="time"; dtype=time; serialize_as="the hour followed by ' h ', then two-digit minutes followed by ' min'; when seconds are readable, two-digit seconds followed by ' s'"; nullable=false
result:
7 h 34 min
